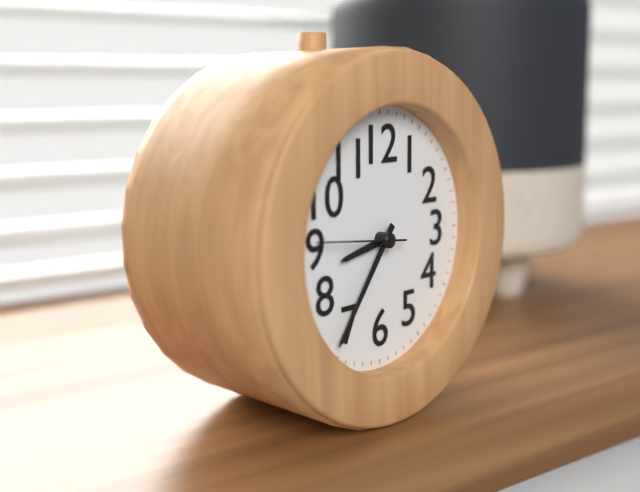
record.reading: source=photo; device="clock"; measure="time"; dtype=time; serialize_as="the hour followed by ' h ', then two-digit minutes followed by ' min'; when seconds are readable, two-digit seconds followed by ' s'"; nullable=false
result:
8 h 36 min 46 s
